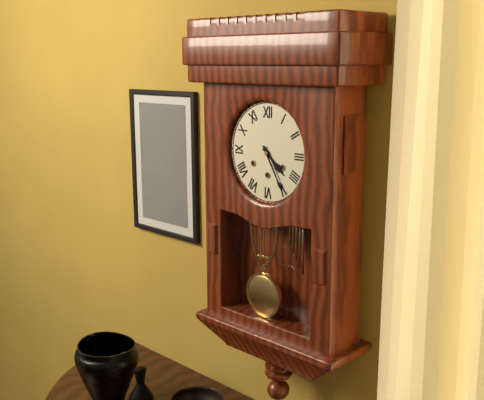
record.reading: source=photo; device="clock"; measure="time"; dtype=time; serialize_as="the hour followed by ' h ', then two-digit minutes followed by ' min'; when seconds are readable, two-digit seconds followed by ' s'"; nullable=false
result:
4 h 25 min
